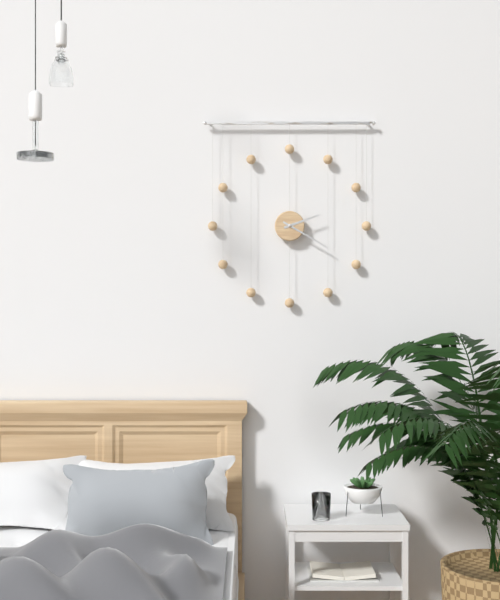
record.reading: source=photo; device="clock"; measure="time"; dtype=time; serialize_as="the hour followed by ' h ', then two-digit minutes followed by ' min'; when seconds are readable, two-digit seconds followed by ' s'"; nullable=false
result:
2 h 20 min
